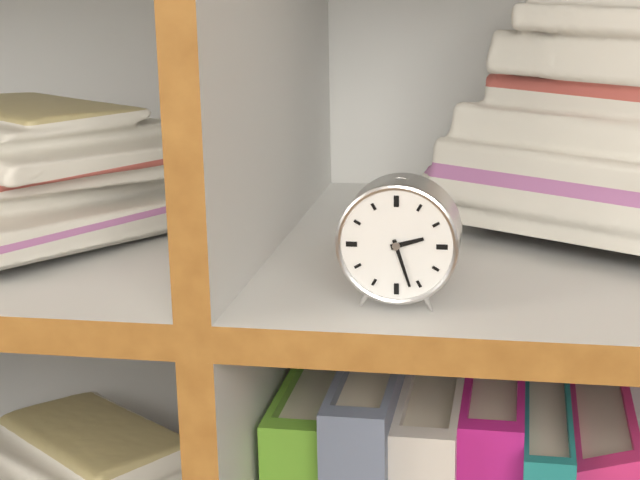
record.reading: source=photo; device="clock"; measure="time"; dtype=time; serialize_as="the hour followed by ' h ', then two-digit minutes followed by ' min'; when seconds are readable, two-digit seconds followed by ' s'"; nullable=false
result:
2 h 27 min
